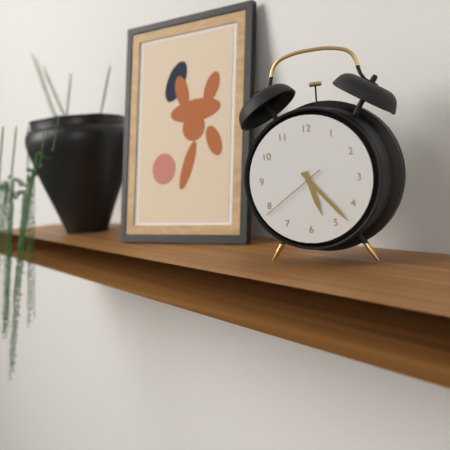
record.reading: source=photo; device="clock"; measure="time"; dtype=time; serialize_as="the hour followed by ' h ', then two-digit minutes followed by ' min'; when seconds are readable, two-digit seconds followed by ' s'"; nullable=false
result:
5 h 23 min 39 s
